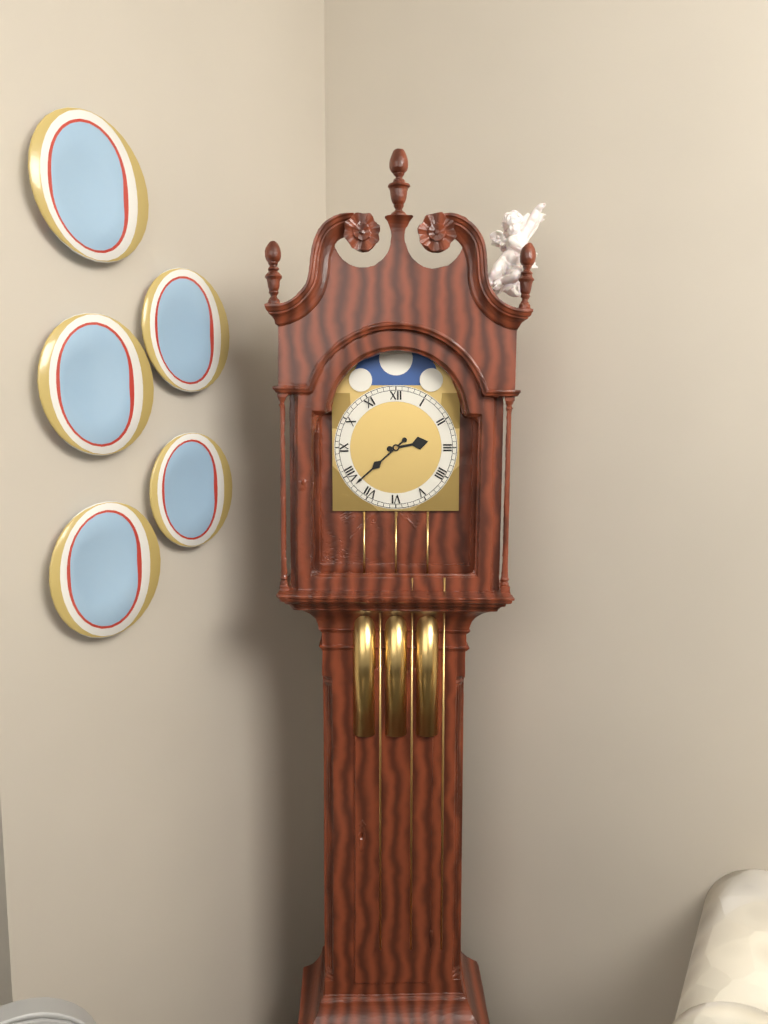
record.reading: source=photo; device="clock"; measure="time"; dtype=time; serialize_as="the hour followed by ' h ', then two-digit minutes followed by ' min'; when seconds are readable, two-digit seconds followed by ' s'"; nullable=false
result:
2 h 38 min
